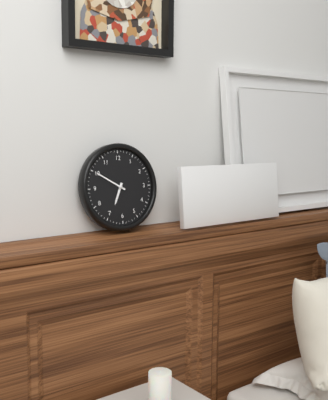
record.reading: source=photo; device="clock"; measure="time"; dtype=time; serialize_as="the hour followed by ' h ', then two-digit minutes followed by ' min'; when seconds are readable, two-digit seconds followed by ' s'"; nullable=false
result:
6 h 50 min
